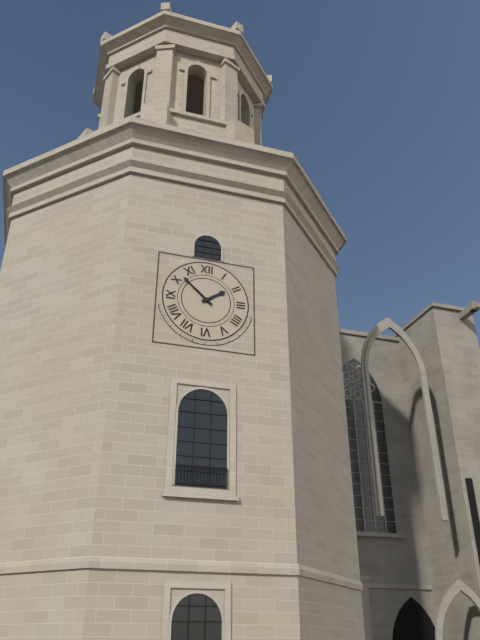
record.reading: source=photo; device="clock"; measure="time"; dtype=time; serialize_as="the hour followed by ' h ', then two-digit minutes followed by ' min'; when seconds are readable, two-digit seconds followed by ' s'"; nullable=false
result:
1 h 52 min
